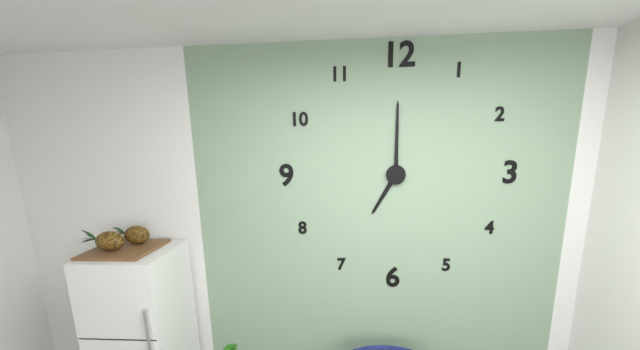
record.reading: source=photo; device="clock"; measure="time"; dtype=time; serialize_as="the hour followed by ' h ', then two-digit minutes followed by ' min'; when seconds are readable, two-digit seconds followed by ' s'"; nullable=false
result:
7 h 00 min
